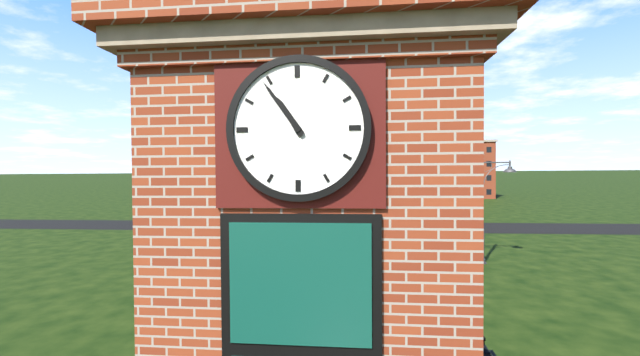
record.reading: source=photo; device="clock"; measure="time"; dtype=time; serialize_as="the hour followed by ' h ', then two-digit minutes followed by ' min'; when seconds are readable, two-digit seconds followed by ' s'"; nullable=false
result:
10 h 54 min
